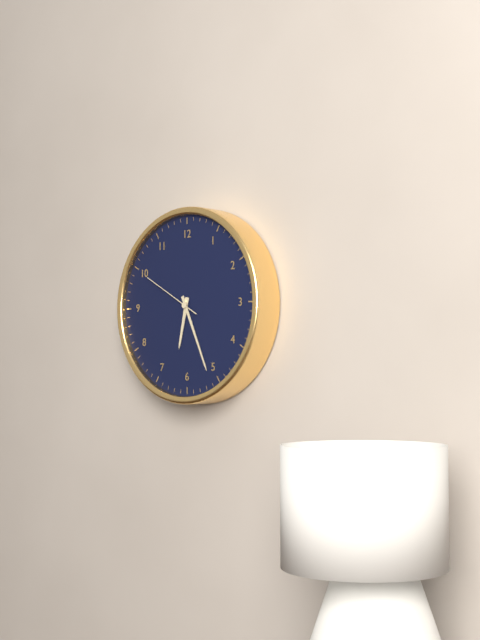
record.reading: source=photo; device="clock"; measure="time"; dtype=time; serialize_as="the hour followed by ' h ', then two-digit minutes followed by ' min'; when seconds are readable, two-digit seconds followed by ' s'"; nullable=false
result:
6 h 26 min 50 s
